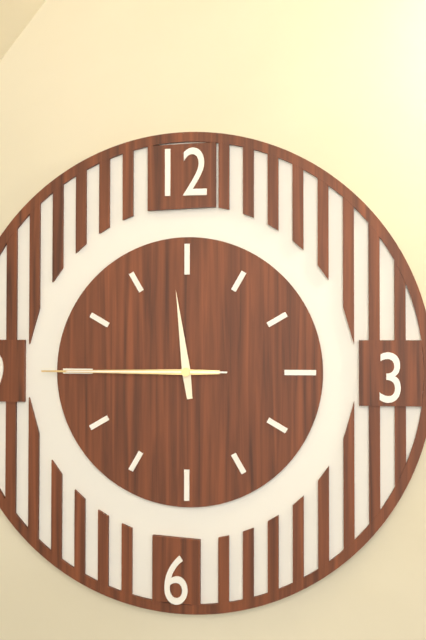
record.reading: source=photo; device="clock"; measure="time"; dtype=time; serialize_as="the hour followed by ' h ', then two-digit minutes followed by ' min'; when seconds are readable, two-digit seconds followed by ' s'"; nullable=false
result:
11 h 45 min 45 s
